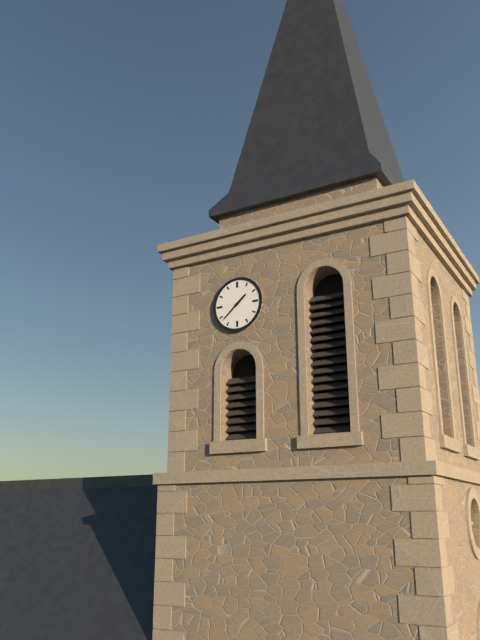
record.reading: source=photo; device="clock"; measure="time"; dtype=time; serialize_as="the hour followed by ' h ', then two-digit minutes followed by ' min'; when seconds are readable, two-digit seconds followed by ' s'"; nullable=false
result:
1 h 38 min
